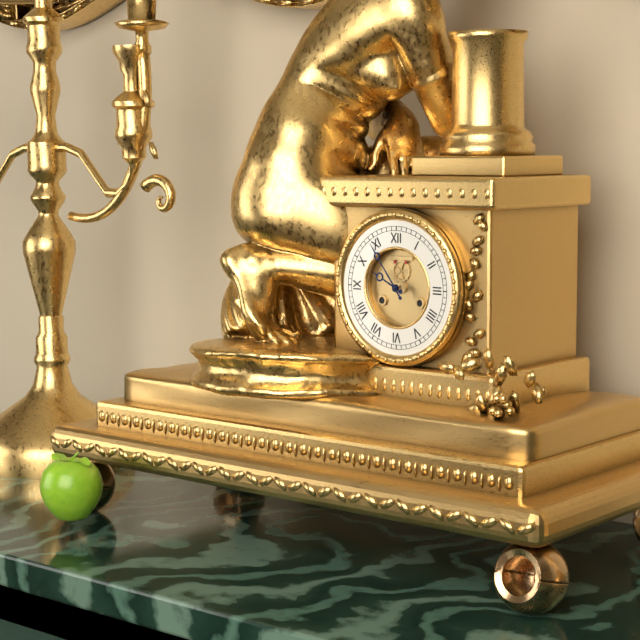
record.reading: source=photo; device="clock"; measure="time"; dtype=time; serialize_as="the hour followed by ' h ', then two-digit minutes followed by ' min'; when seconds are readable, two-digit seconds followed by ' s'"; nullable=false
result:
9 h 54 min
